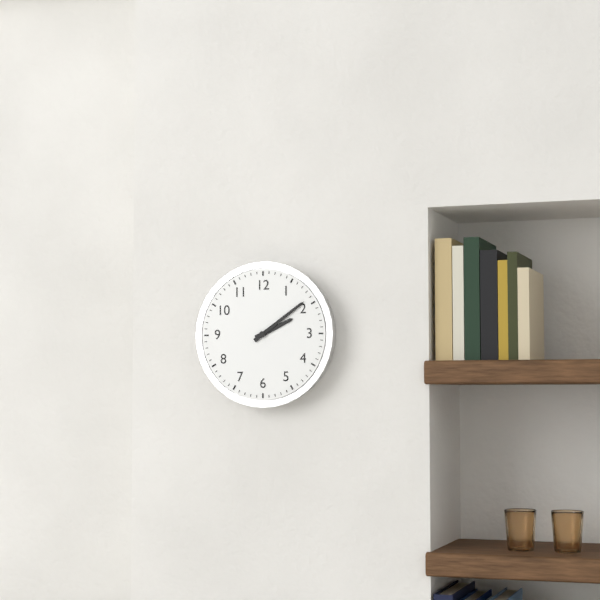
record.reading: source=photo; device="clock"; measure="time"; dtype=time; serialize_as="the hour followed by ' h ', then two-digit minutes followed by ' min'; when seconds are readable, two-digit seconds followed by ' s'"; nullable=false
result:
2 h 09 min
